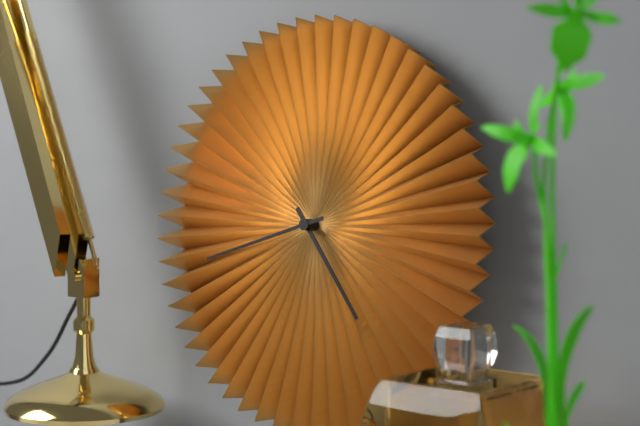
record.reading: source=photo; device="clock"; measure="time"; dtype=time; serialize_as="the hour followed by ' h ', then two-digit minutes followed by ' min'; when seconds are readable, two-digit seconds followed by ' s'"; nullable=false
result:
4 h 42 min
